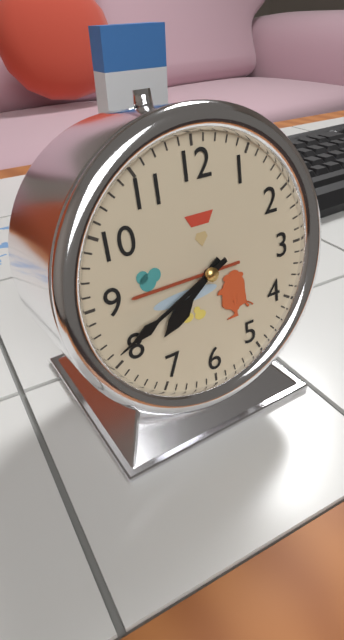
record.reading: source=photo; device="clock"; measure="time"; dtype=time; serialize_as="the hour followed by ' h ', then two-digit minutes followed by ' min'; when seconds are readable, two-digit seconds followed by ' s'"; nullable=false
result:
7 h 41 min
